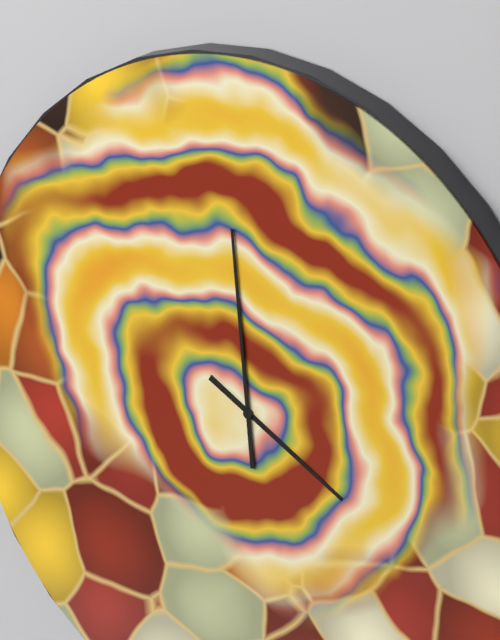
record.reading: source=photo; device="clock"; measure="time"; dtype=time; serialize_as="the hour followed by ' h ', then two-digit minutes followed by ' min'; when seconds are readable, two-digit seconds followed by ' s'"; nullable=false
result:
3 h 59 min
